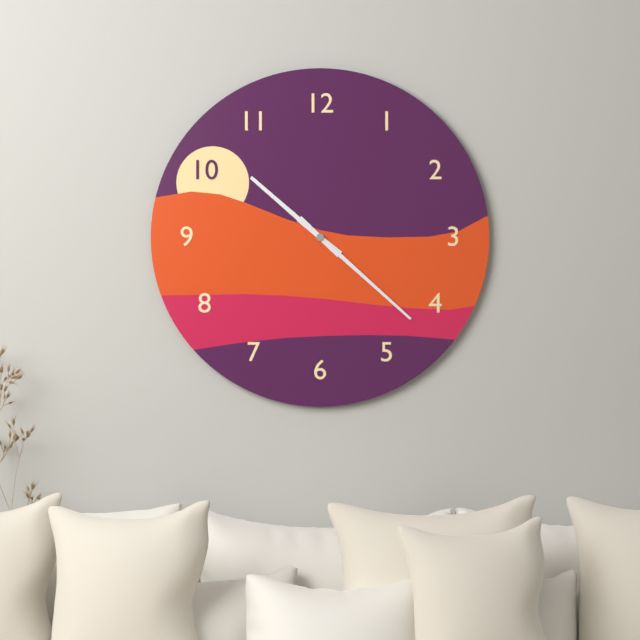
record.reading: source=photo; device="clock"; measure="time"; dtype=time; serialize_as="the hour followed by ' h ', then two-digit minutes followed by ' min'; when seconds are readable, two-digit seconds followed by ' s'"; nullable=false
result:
10 h 22 min
